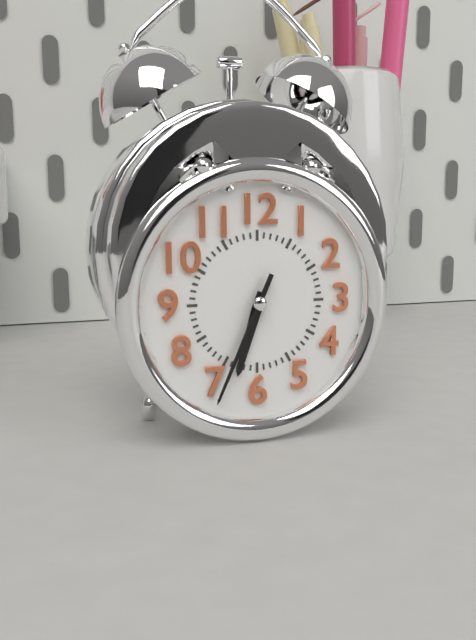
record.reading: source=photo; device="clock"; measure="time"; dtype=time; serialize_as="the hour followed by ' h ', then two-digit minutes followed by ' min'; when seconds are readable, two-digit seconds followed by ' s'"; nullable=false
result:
6 h 34 min
